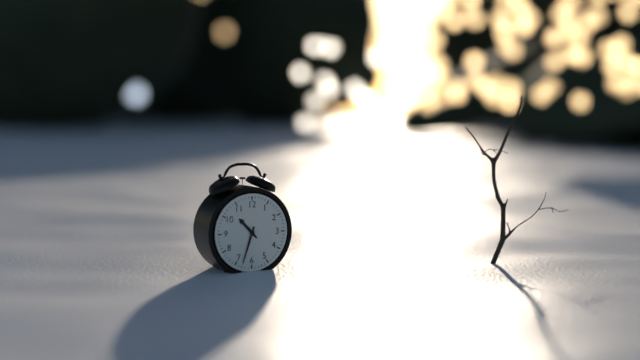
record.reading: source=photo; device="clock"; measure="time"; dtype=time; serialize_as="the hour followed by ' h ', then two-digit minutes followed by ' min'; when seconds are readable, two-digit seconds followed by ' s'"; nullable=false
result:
10 h 33 min
